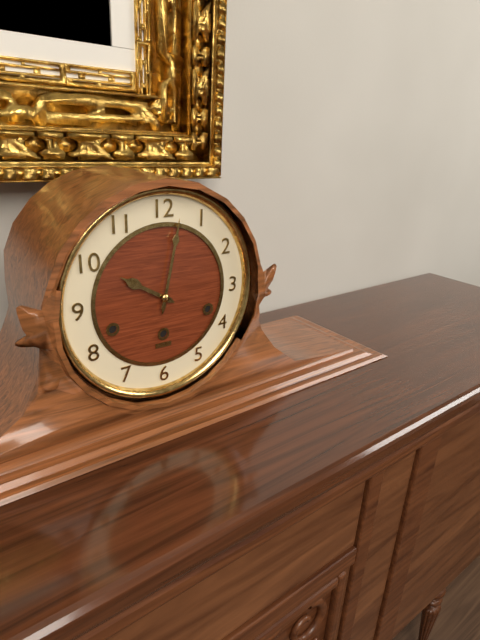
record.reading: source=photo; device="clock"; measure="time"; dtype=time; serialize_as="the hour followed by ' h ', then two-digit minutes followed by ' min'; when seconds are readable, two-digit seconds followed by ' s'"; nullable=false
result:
10 h 02 min
